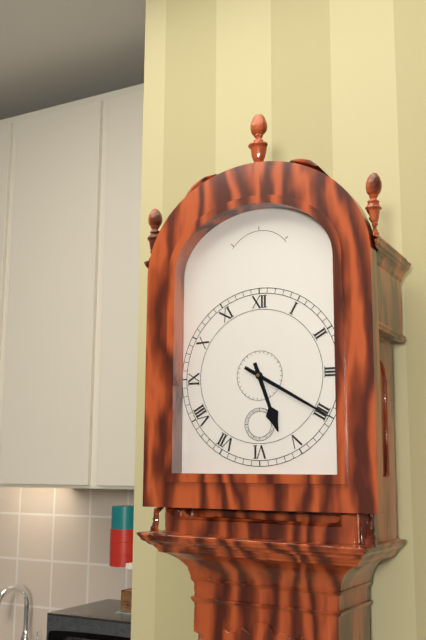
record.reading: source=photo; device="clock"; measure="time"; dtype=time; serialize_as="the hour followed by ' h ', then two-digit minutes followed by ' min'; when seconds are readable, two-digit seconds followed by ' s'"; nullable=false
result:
5 h 20 min
